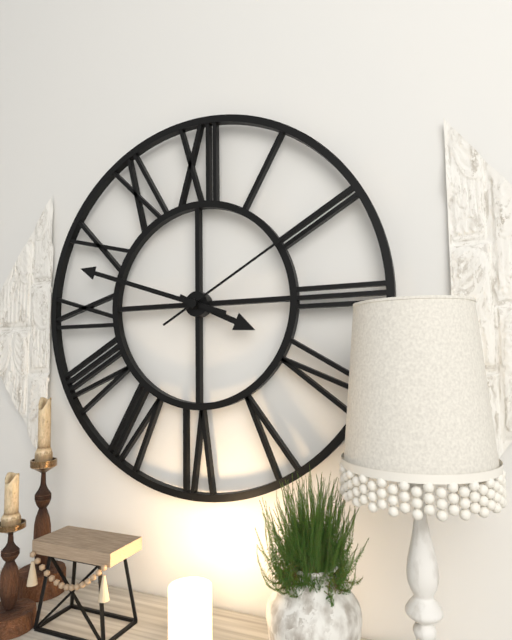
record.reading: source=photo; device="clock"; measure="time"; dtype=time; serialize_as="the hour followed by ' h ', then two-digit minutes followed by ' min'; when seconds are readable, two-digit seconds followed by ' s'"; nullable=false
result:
3 h 48 min 10 s
